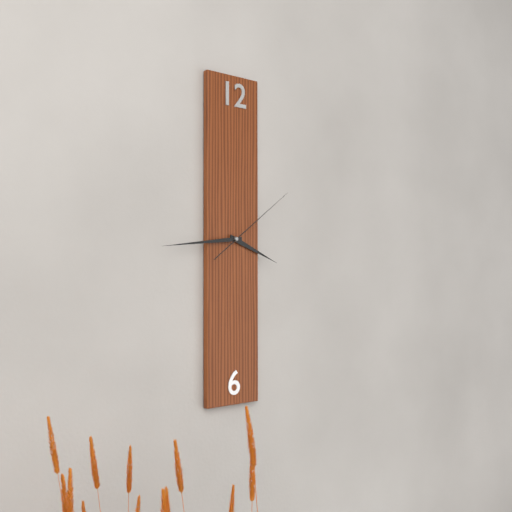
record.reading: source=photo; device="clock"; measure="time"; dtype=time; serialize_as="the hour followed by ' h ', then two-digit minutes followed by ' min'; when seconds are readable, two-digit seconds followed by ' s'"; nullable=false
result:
3 h 44 min 09 s
